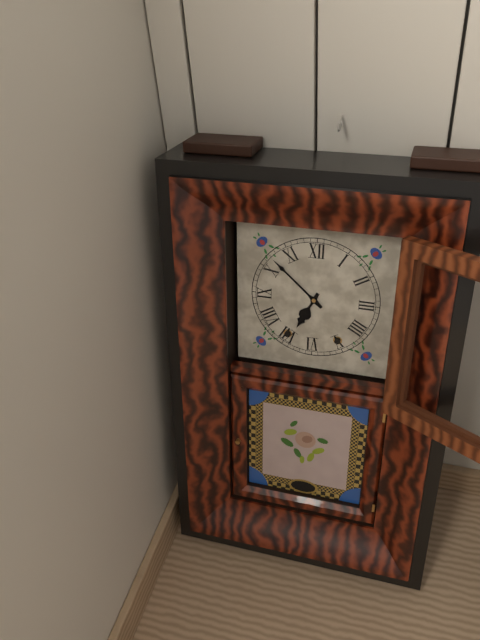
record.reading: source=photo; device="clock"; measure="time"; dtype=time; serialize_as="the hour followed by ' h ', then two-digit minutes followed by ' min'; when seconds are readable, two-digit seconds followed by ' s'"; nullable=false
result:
6 h 52 min
